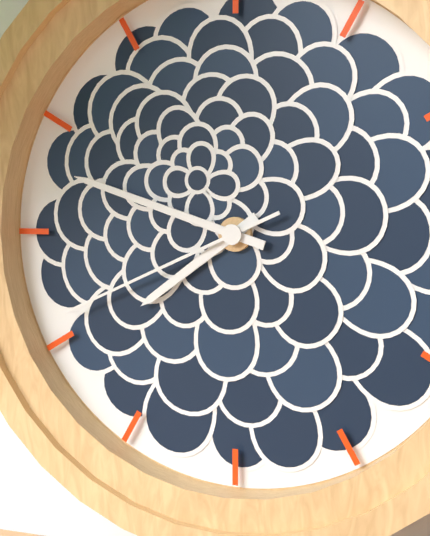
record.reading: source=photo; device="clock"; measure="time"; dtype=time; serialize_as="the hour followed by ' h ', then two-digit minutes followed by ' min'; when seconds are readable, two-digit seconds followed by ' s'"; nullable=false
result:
7 h 48 min 41 s
